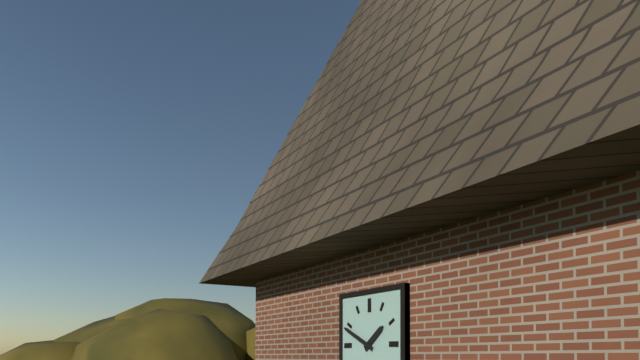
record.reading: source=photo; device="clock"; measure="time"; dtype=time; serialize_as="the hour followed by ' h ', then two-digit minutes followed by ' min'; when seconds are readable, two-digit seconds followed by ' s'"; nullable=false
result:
1 h 49 min
